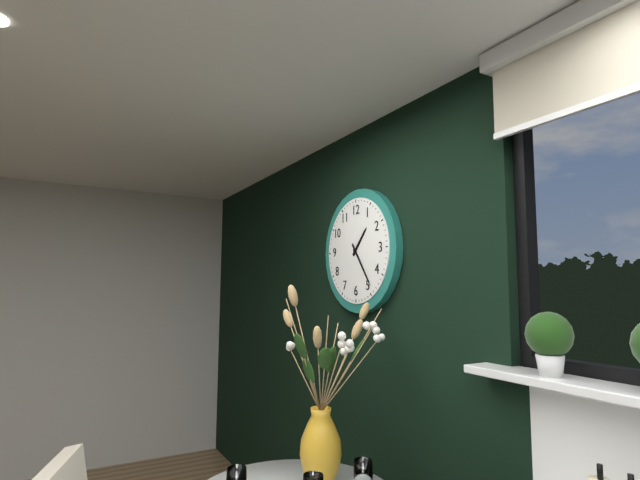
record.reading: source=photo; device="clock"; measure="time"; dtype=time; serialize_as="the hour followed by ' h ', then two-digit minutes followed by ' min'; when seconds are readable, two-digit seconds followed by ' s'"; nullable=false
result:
1 h 24 min
